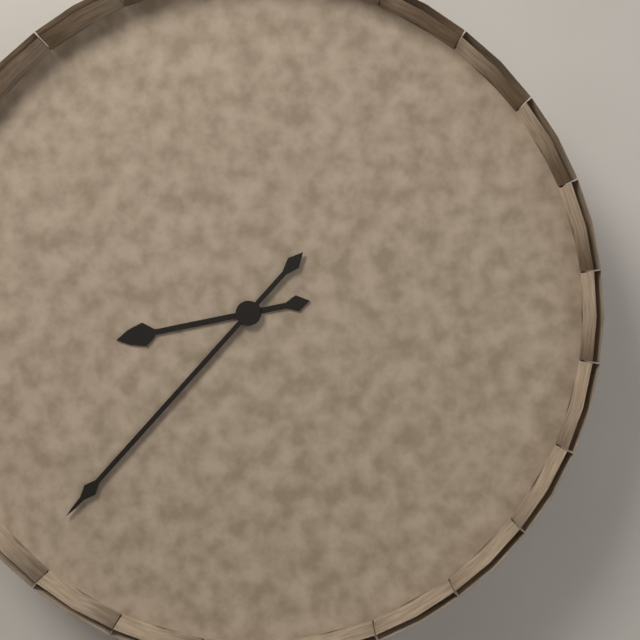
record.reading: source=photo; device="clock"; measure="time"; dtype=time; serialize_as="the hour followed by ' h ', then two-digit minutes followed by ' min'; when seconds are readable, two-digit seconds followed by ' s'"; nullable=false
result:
8 h 37 min
